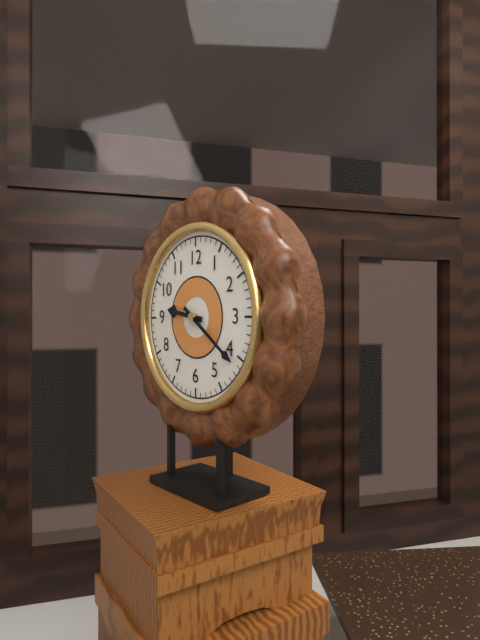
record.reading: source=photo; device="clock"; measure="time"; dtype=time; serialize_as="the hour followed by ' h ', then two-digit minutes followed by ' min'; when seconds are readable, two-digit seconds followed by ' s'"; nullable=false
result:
9 h 21 min
